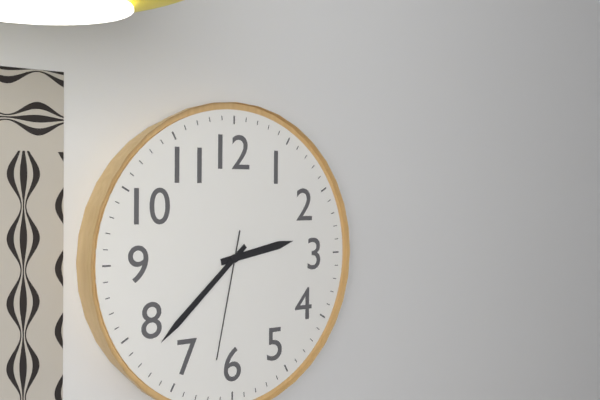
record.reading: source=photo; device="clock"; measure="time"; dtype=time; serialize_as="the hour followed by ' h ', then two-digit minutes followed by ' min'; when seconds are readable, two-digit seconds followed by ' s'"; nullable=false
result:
2 h 38 min 32 s
